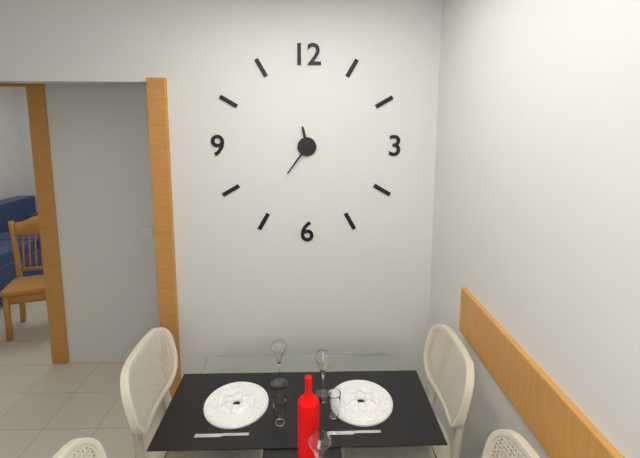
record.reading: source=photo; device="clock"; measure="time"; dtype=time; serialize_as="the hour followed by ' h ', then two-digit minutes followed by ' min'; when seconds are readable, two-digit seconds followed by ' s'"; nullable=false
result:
11 h 36 min
